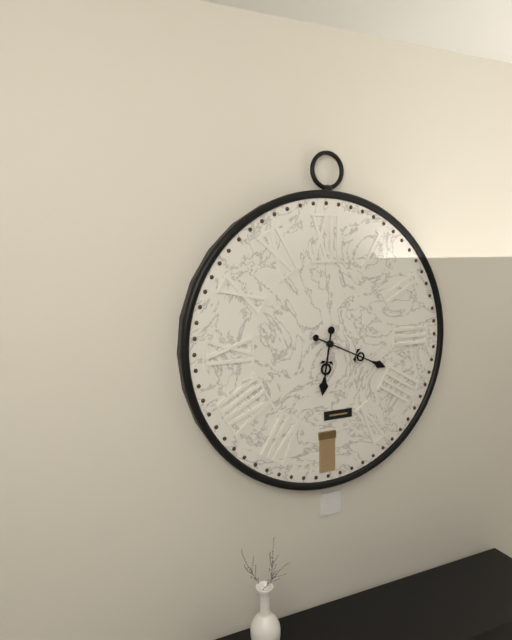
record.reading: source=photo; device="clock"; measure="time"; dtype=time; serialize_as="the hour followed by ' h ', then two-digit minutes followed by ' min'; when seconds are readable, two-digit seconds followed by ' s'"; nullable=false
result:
6 h 19 min
